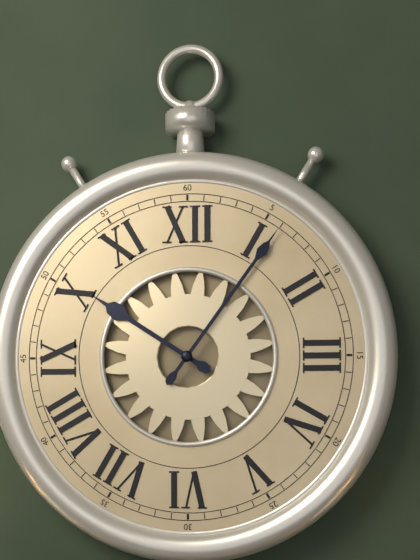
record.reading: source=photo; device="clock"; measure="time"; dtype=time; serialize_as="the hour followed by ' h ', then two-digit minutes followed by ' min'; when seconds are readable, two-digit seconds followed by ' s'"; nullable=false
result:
10 h 06 min
